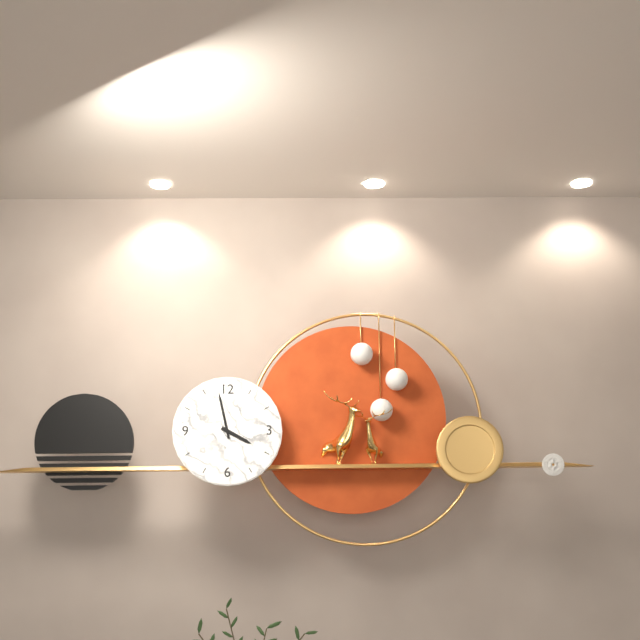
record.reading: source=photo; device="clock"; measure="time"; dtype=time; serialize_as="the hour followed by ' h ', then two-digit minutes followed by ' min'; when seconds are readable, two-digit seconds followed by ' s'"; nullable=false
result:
3 h 58 min
